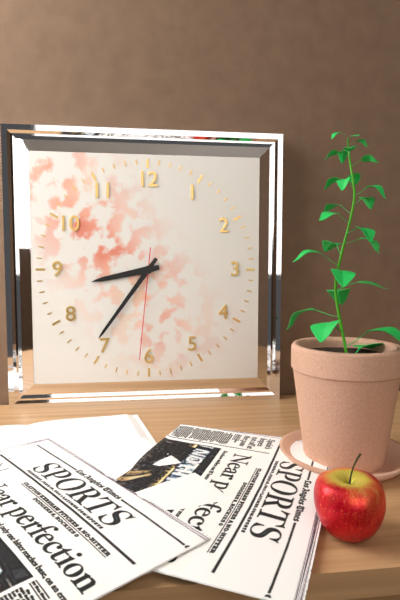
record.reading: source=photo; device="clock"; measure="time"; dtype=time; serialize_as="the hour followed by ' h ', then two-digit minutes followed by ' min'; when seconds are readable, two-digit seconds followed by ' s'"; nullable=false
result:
8 h 36 min 31 s
